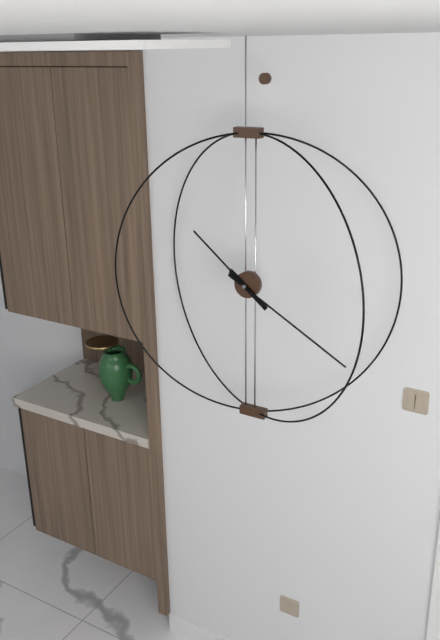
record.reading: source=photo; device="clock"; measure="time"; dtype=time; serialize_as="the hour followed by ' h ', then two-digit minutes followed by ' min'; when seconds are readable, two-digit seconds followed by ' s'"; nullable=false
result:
10 h 20 min
